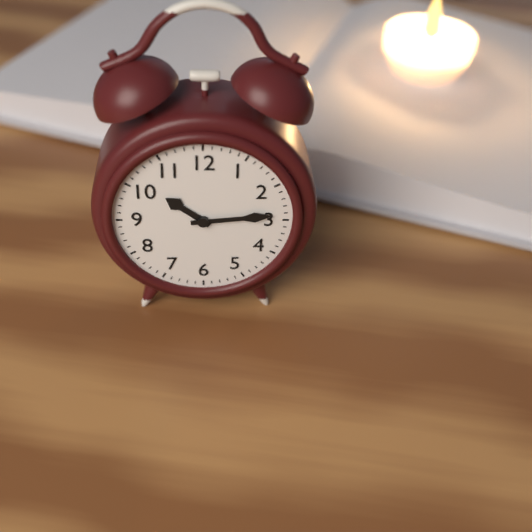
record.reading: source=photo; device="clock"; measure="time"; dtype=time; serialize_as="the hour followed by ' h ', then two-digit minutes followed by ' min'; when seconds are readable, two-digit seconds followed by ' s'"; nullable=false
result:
10 h 14 min
